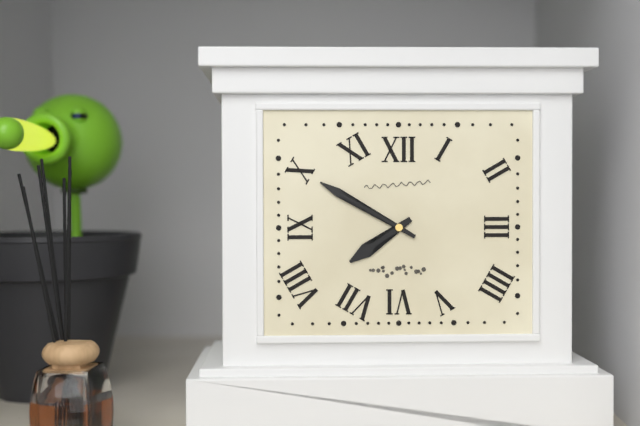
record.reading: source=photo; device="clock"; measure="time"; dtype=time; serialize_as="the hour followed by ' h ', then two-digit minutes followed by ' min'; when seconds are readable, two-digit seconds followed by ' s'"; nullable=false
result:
7 h 50 min
